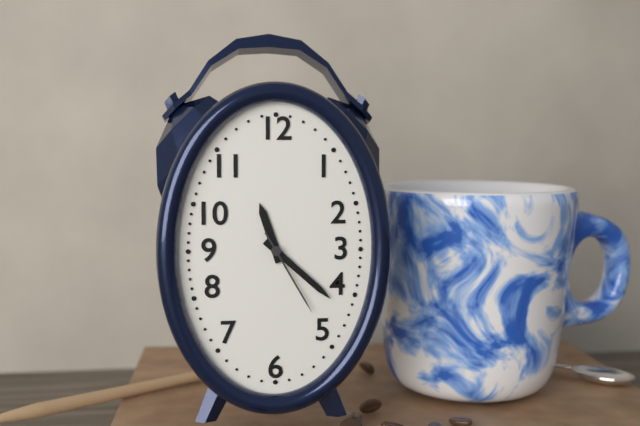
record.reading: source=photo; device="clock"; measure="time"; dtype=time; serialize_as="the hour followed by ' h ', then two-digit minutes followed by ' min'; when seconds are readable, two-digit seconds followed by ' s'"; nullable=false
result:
11 h 22 min 25 s
